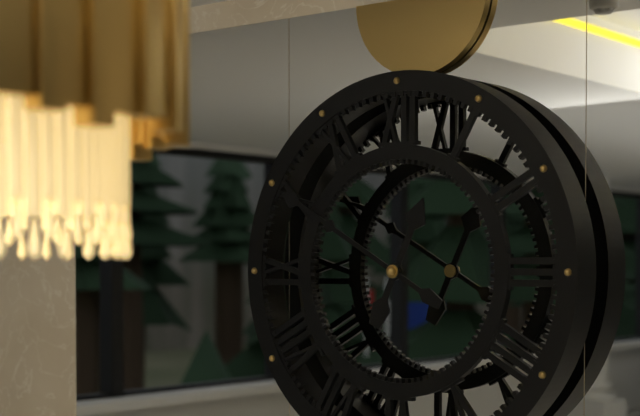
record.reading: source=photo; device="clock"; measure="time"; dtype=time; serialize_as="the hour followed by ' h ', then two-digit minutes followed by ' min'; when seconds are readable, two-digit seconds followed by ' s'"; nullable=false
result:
12 h 50 min
